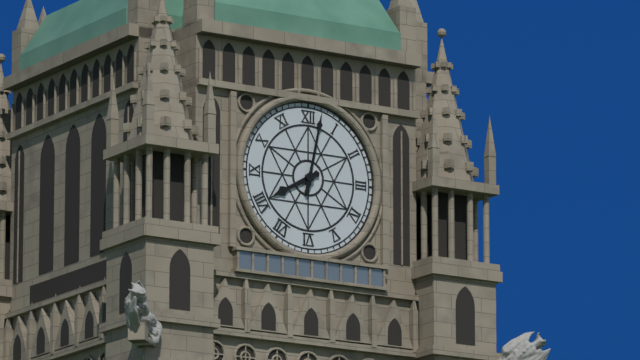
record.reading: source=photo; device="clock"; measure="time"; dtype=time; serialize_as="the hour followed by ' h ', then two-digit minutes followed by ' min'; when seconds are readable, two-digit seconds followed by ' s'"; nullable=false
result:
8 h 02 min
